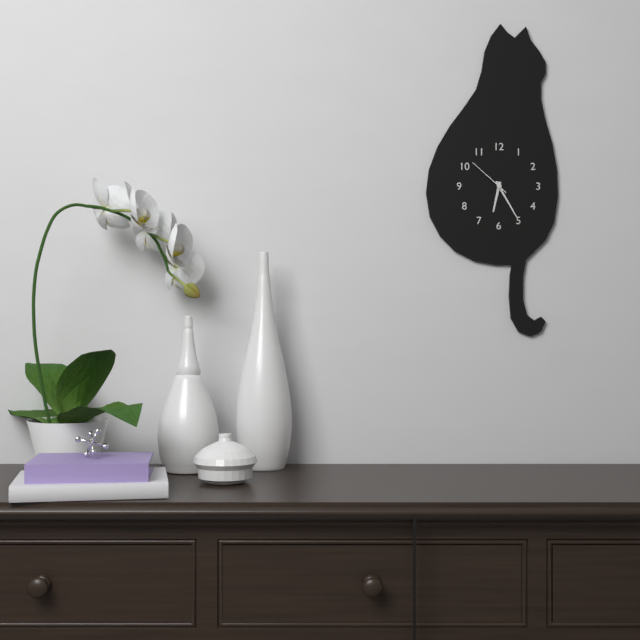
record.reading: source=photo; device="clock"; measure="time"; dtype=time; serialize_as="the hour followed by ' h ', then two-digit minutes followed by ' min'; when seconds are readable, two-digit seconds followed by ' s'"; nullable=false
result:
6 h 25 min
